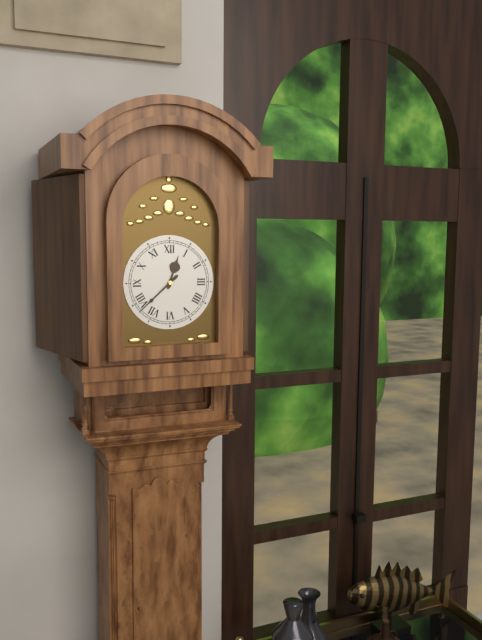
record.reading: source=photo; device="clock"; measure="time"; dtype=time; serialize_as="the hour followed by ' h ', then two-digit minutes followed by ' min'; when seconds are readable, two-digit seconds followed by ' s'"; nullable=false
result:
12 h 38 min
